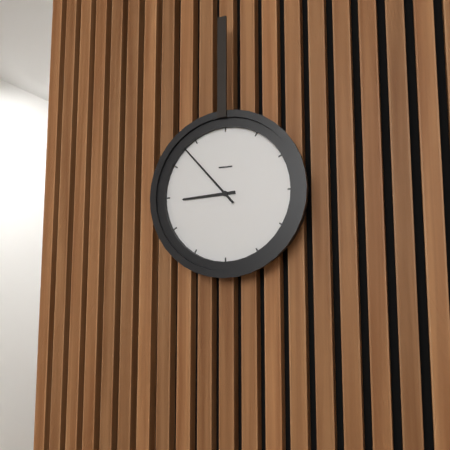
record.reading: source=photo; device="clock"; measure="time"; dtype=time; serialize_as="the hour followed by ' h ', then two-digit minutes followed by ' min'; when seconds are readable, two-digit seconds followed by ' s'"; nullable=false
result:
8 h 53 min
